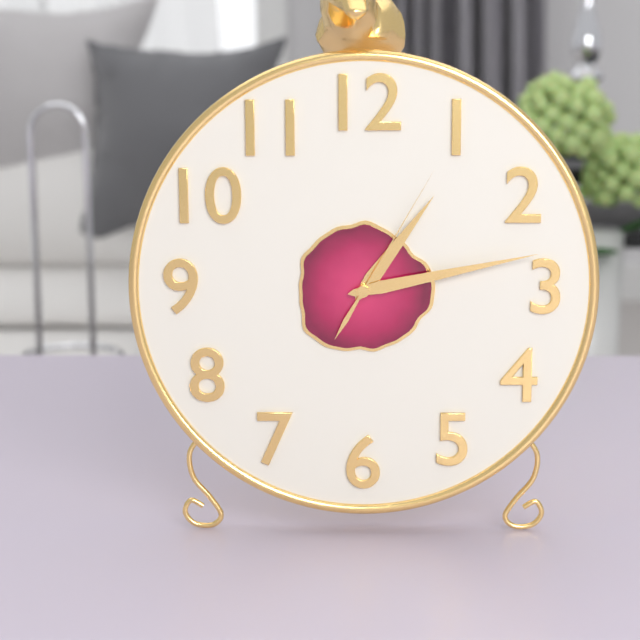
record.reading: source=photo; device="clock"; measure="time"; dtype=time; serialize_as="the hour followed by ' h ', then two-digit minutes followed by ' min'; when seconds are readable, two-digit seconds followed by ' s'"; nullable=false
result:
1 h 13 min 05 s
